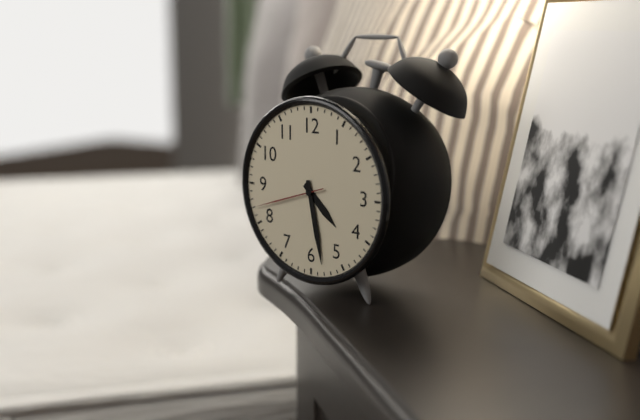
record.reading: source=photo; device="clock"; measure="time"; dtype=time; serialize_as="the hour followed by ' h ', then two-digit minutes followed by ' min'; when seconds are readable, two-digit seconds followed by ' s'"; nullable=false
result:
4 h 28 min 42 s
